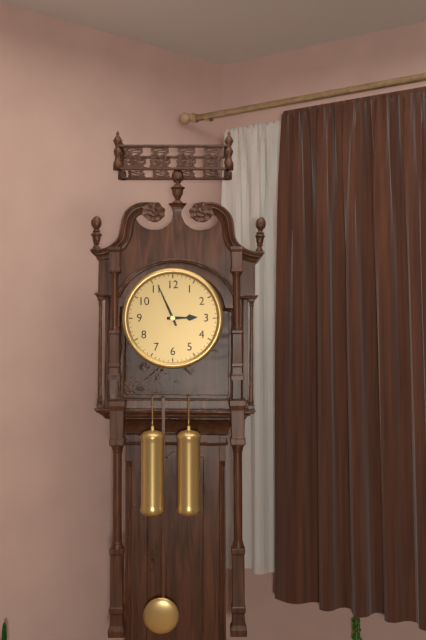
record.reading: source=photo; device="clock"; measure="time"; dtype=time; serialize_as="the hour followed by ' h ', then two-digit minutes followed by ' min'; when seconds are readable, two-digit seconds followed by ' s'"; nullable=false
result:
2 h 56 min
